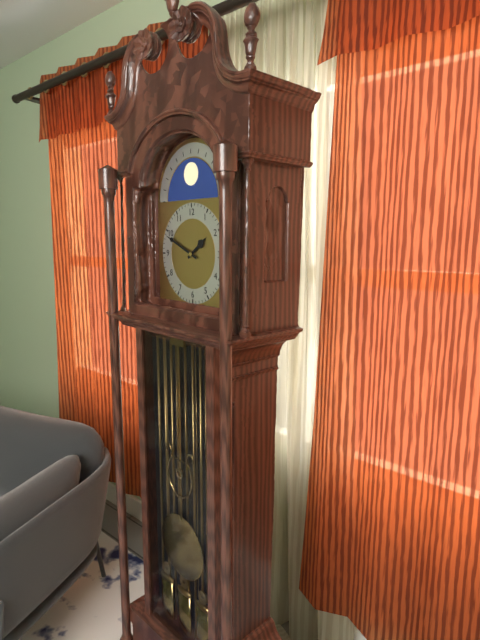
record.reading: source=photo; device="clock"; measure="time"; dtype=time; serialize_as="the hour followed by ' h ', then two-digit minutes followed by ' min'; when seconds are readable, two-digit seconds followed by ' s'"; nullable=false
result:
1 h 49 min
